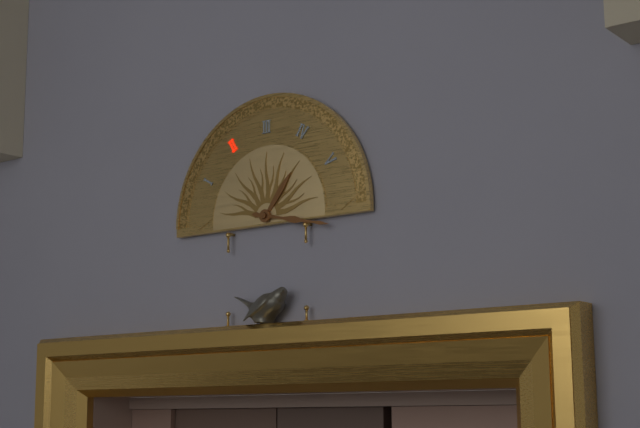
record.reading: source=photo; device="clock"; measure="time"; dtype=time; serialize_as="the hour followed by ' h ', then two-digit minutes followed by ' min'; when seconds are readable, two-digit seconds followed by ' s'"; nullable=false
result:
1 h 17 min
